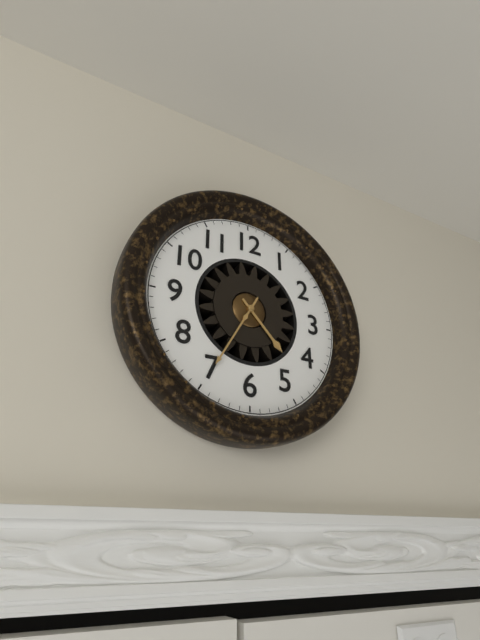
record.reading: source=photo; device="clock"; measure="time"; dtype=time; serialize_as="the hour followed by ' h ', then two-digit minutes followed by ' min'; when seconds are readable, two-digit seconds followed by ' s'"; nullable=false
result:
4 h 35 min
